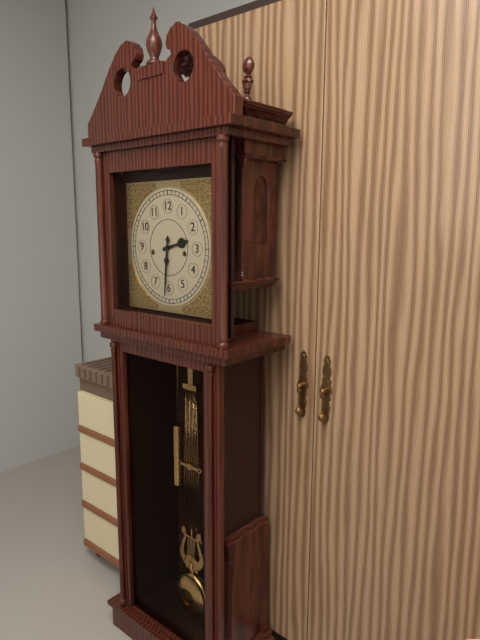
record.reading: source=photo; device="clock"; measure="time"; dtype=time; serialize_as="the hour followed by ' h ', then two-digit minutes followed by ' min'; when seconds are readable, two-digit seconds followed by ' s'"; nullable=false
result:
2 h 31 min
